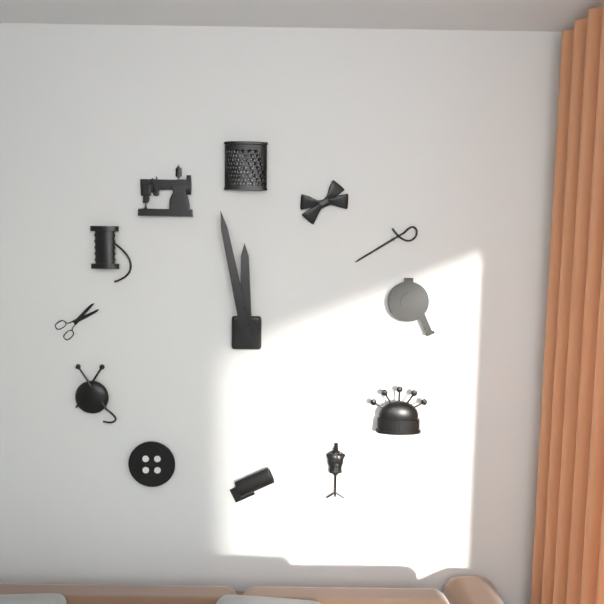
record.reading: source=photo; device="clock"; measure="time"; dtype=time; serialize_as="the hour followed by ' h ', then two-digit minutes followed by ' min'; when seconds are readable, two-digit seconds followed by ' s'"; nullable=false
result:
11 h 58 min
